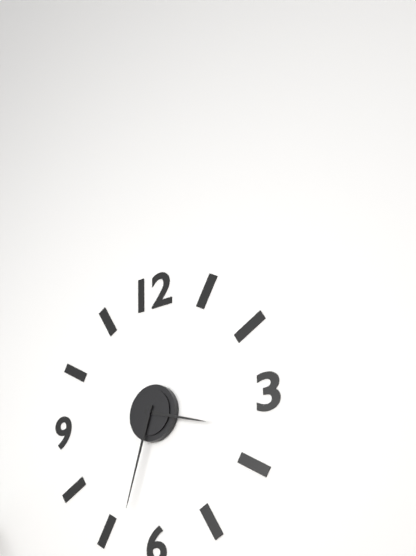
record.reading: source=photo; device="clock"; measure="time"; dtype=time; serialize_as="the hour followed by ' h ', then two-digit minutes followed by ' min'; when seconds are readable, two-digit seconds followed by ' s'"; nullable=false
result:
3 h 33 min
